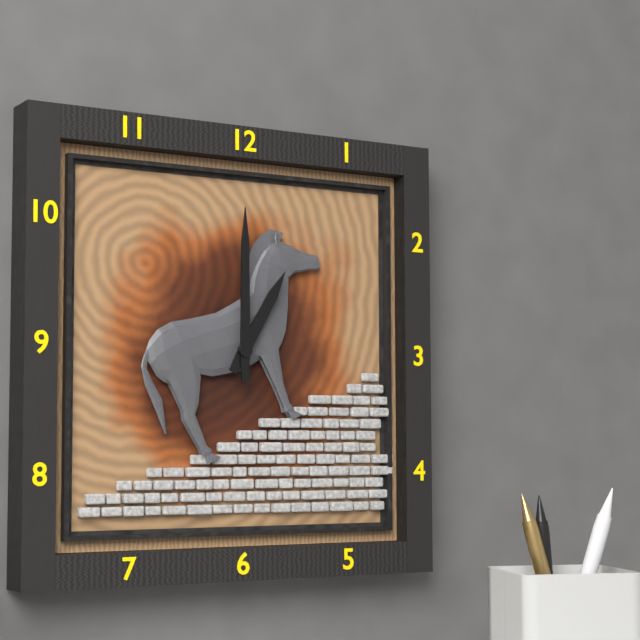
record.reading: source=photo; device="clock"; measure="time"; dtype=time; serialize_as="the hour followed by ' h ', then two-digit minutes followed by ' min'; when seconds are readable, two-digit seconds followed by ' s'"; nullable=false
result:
1 h 00 min
